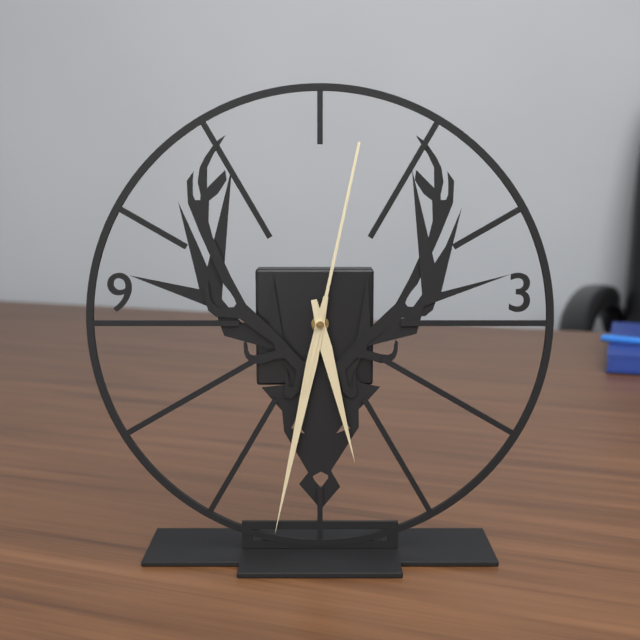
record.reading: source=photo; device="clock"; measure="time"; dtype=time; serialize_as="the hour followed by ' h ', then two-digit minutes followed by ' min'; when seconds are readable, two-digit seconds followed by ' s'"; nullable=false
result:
5 h 32 min 02 s
